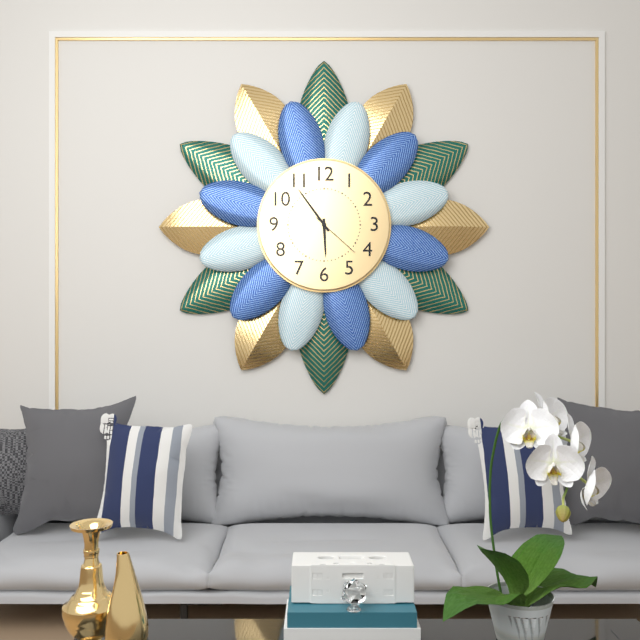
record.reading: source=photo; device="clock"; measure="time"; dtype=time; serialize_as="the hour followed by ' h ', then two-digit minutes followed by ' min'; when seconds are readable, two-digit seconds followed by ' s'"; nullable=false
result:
5 h 54 min 22 s
